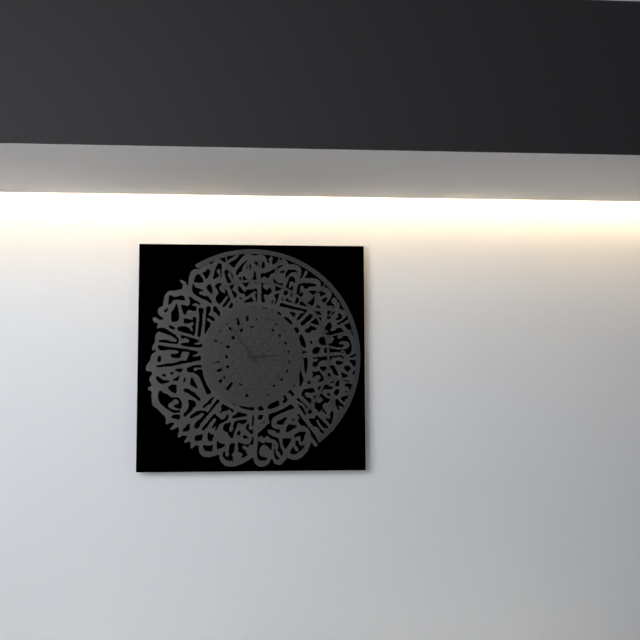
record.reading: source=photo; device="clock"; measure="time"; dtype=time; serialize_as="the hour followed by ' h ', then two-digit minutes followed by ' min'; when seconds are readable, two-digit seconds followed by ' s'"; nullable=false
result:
2 h 54 min
